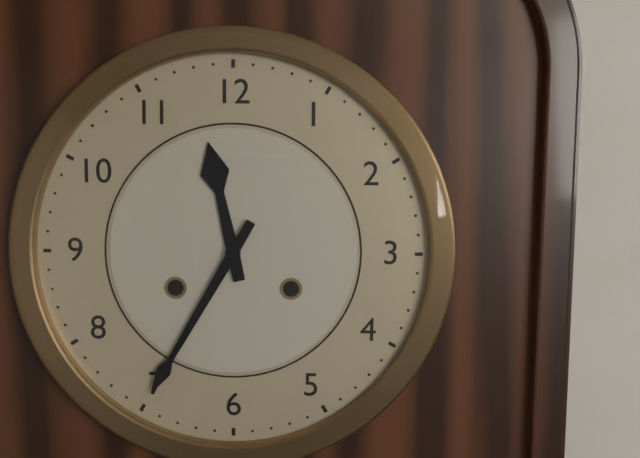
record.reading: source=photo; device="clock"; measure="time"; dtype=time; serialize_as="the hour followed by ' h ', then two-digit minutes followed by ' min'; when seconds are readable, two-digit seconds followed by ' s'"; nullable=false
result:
11 h 35 min
